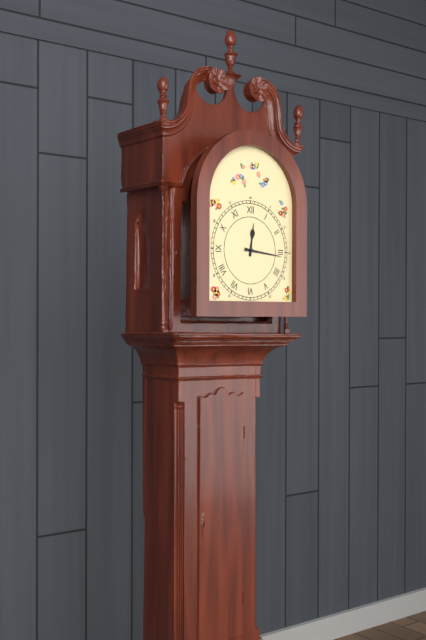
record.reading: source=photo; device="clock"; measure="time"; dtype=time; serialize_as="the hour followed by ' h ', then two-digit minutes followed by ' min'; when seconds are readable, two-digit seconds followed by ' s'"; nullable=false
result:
12 h 16 min
